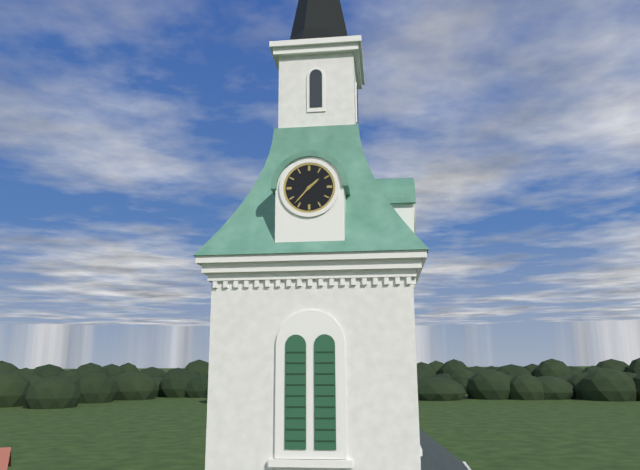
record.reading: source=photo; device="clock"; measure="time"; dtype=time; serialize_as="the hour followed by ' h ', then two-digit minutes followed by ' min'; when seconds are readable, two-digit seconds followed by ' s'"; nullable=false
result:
1 h 37 min
